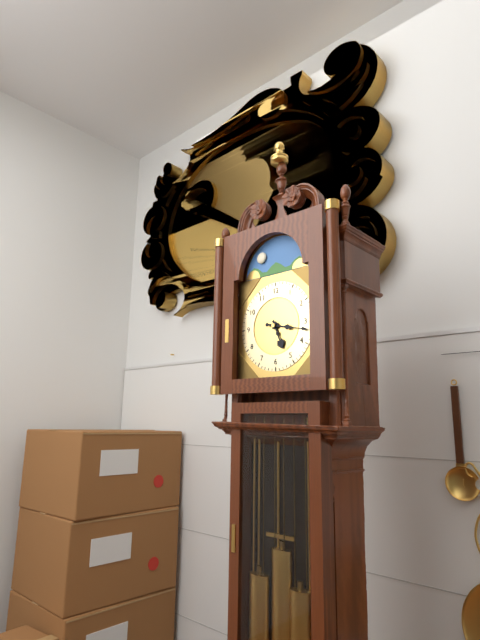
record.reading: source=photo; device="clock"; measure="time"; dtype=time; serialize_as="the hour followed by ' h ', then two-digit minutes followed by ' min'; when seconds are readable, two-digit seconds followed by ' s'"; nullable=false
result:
5 h 17 min
